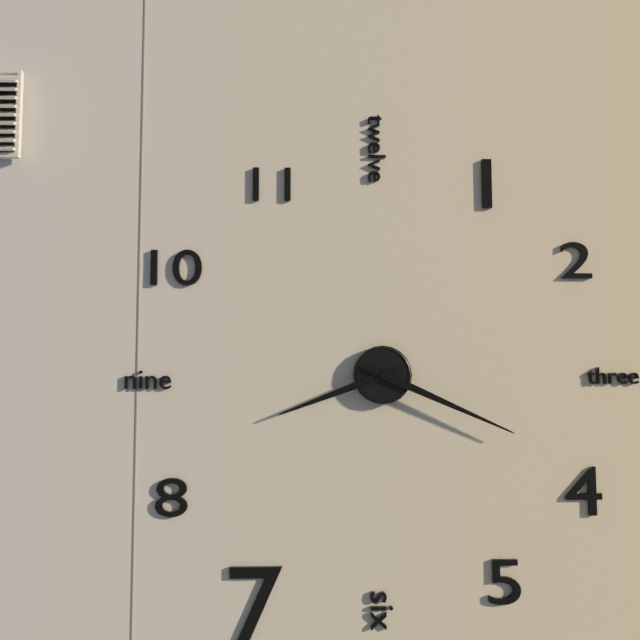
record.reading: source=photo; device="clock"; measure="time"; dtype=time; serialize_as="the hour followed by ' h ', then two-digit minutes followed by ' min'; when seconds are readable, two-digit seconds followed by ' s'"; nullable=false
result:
8 h 19 min
